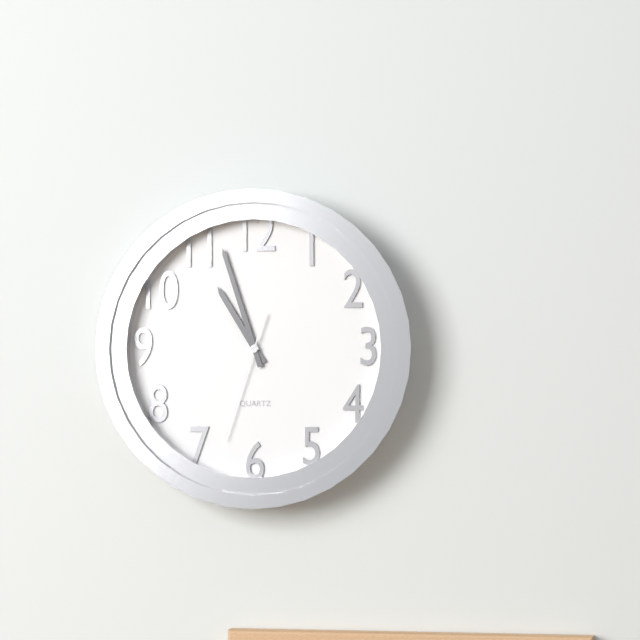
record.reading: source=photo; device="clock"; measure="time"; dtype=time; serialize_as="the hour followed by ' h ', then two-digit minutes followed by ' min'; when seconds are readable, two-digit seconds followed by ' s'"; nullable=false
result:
10 h 57 min 33 s
